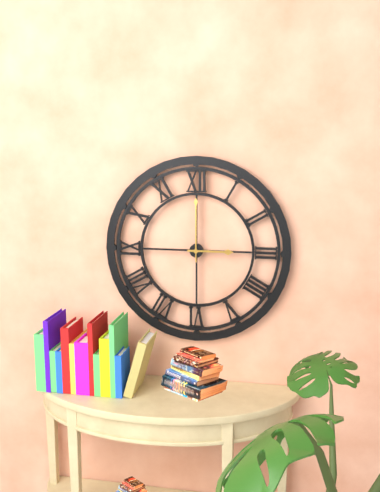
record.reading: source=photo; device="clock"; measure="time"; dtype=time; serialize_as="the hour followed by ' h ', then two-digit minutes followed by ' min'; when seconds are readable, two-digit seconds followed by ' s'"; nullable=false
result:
3 h 00 min
